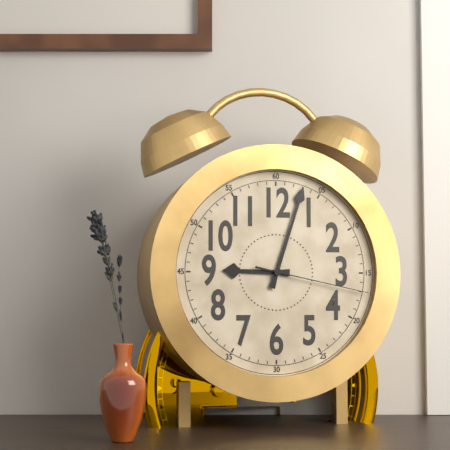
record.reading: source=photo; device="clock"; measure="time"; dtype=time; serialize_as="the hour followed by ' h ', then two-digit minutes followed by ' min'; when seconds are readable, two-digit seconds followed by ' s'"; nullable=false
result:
9 h 03 min 17 s
